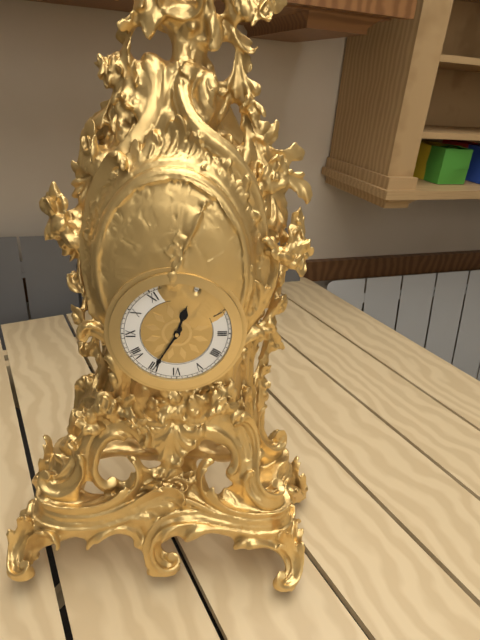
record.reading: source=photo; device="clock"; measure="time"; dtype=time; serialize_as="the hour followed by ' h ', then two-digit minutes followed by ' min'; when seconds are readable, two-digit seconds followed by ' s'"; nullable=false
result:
12 h 35 min
